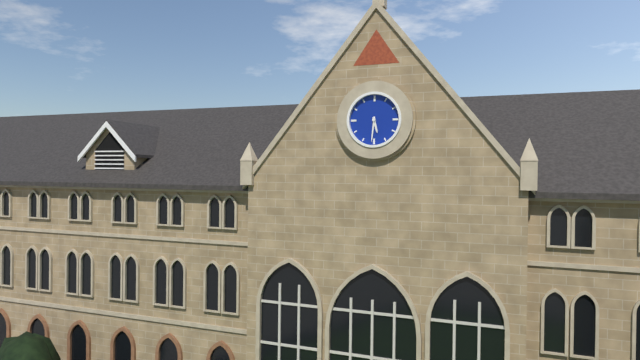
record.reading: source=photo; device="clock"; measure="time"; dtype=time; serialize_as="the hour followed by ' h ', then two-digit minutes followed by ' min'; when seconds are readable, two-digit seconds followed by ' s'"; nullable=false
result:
5 h 31 min
